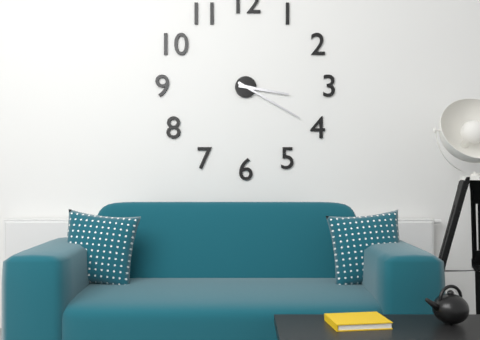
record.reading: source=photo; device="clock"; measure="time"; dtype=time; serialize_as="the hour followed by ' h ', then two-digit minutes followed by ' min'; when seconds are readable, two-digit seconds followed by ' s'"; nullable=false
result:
3 h 20 min
